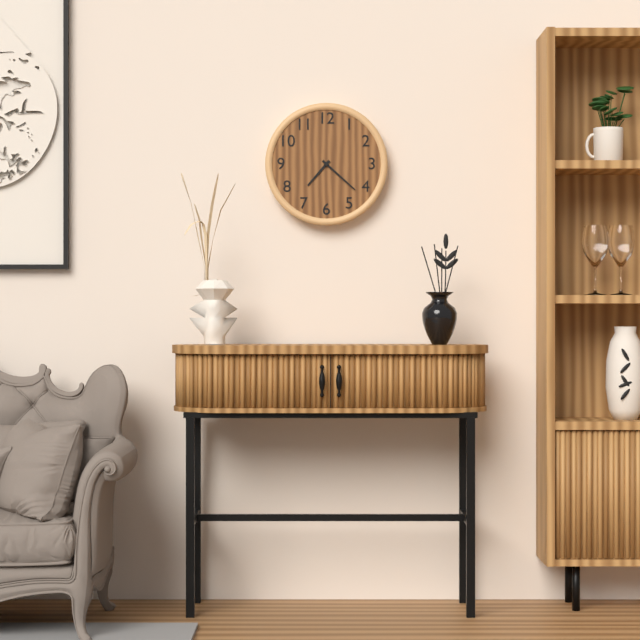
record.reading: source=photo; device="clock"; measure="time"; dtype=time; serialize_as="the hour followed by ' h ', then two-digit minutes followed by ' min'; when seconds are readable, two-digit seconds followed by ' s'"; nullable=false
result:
7 h 22 min
